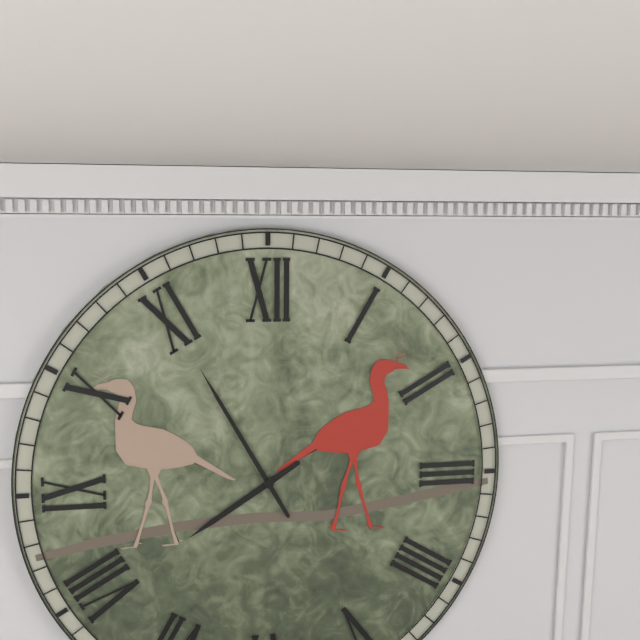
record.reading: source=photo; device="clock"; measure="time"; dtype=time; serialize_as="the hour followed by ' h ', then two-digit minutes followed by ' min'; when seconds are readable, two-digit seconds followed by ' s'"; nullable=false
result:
7 h 55 min
